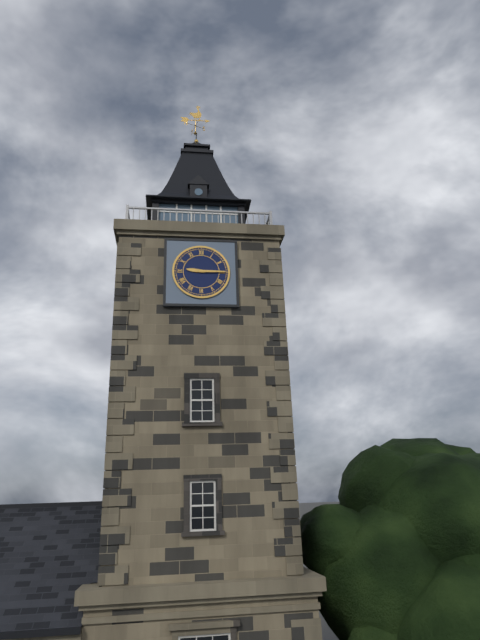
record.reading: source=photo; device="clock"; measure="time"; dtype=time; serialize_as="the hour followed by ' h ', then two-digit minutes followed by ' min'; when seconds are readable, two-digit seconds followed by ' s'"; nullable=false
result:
9 h 15 min
